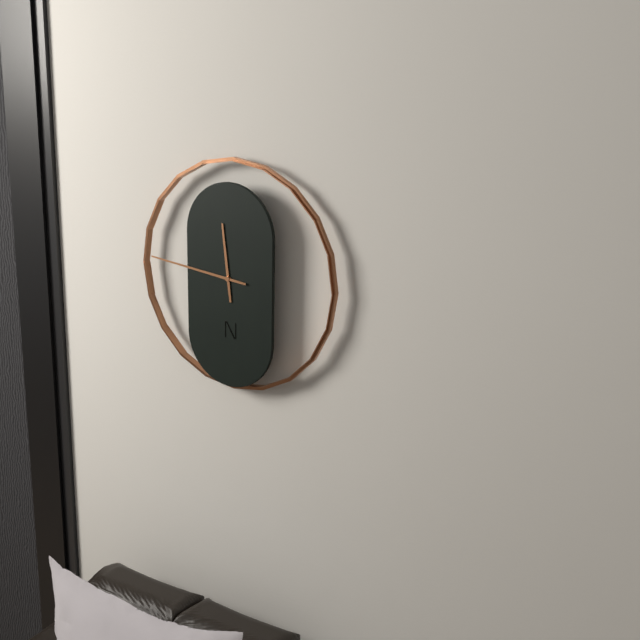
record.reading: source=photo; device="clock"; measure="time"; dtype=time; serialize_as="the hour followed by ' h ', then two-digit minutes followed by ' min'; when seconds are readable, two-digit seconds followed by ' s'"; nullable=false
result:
11 h 46 min
